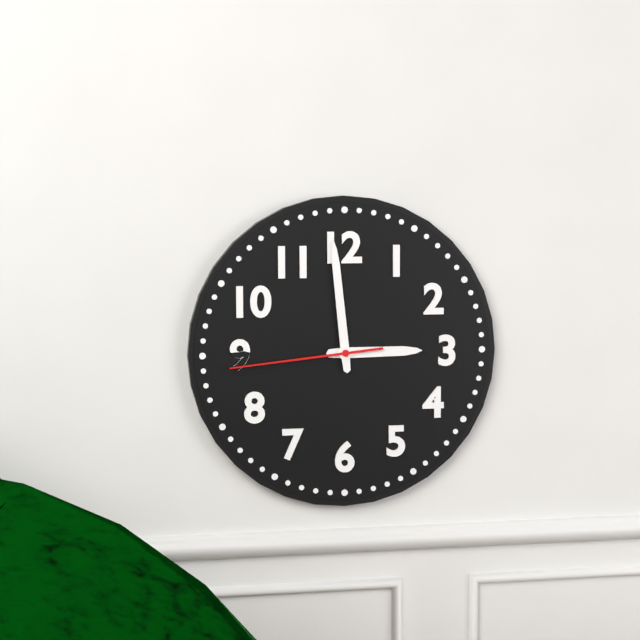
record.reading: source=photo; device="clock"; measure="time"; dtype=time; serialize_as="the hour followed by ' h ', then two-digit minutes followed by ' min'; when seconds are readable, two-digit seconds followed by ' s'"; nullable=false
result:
2 h 59 min 44 s
